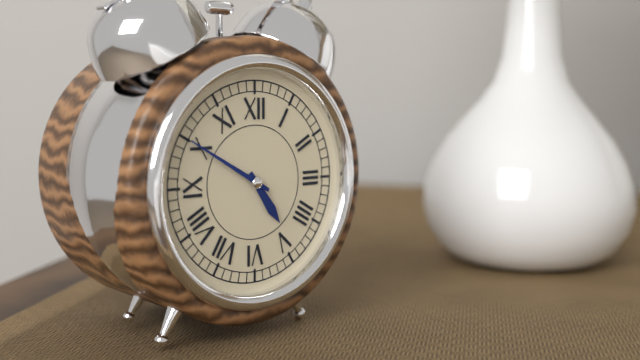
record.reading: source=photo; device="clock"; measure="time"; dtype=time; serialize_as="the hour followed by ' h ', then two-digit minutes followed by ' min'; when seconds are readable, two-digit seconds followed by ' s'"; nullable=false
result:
4 h 50 min
